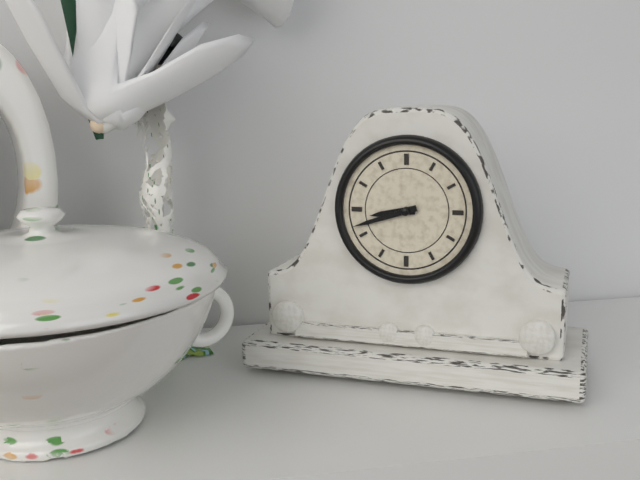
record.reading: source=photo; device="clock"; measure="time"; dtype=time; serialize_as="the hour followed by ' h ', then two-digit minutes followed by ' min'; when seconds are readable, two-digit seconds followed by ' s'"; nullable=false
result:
8 h 42 min
